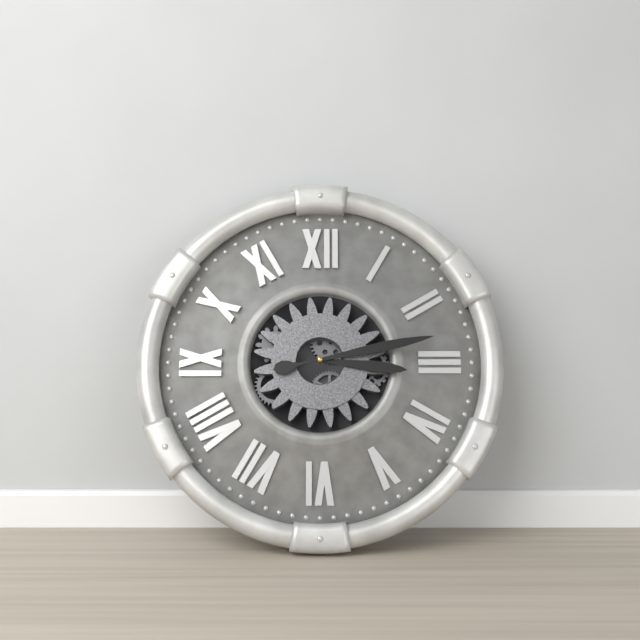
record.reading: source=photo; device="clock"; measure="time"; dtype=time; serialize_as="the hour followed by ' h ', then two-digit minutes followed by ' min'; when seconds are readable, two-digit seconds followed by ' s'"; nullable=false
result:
3 h 13 min
